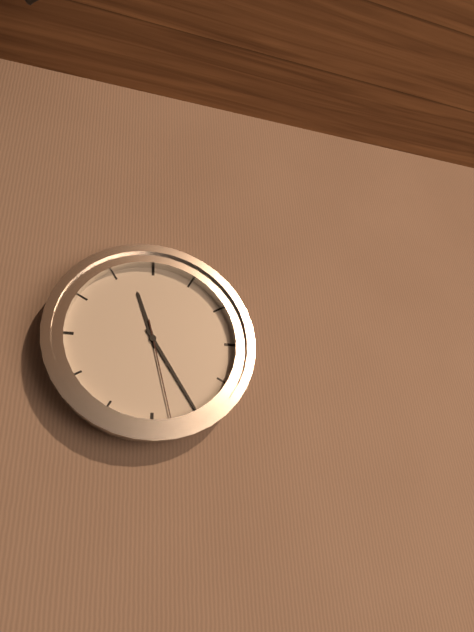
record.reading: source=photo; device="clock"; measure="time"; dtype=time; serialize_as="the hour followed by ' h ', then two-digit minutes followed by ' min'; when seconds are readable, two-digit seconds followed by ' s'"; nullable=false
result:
11 h 25 min 28 s
